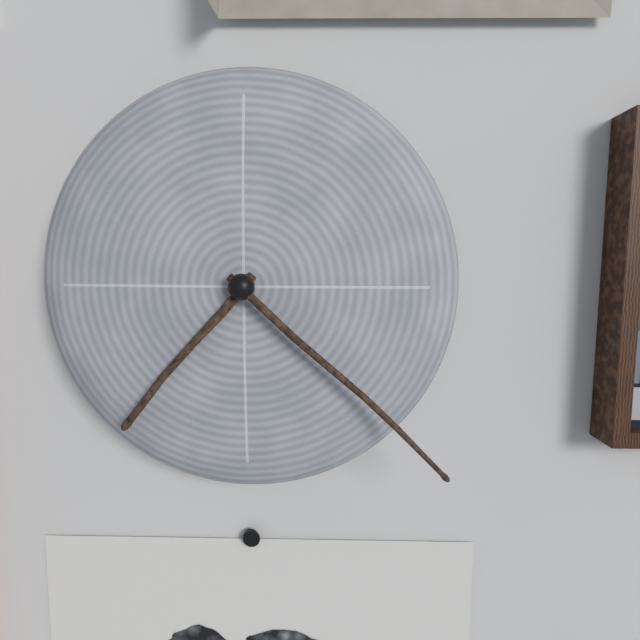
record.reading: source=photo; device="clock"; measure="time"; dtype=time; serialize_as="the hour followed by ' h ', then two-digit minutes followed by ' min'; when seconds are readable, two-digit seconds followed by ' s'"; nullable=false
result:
7 h 22 min
